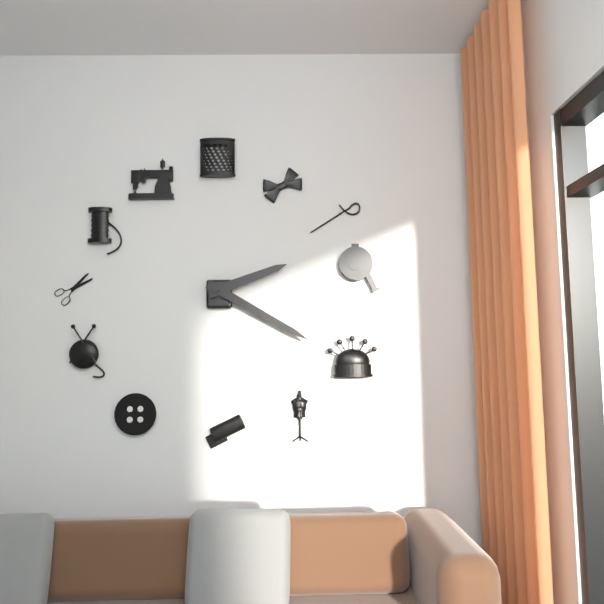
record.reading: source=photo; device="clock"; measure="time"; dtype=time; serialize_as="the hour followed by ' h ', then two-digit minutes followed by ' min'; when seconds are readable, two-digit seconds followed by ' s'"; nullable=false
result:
2 h 20 min
